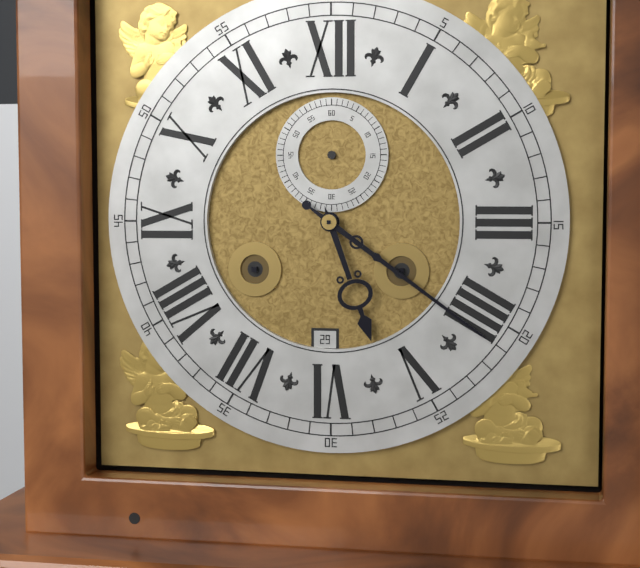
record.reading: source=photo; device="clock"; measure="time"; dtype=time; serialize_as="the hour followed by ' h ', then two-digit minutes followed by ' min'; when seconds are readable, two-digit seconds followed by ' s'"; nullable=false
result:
5 h 21 min
